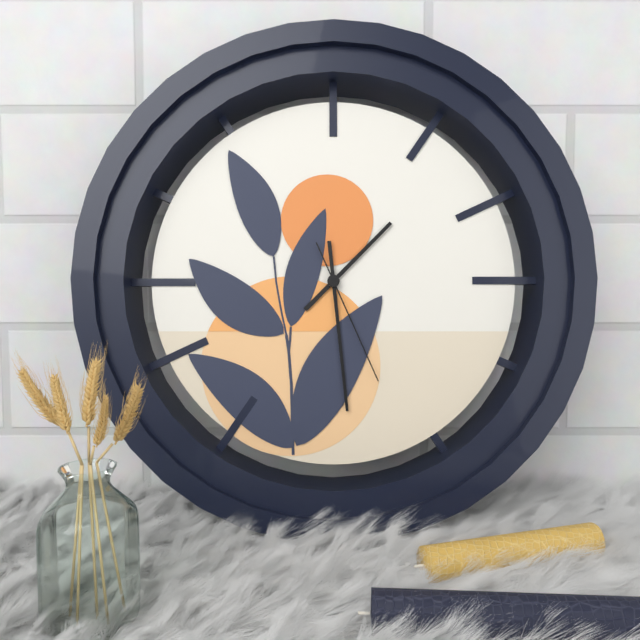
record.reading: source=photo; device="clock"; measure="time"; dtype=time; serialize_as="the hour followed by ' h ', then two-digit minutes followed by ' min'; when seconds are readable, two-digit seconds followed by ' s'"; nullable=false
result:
1 h 29 min 26 s
